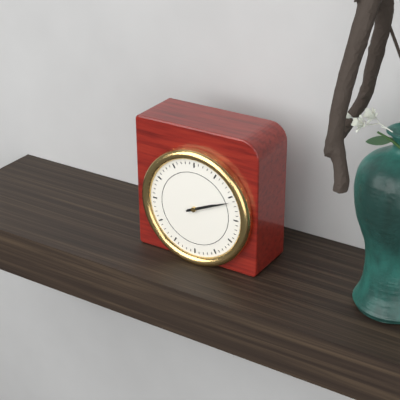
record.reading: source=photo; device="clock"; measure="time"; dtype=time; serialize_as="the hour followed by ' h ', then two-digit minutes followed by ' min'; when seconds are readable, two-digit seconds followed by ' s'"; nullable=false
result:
2 h 11 min
